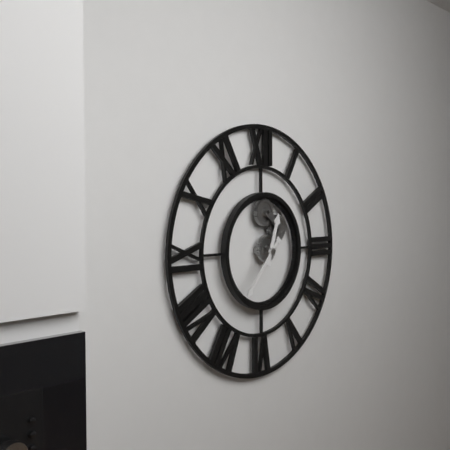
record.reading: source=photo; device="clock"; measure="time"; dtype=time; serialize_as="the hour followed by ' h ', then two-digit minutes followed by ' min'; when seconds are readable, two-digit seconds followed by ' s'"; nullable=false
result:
12 h 37 min
